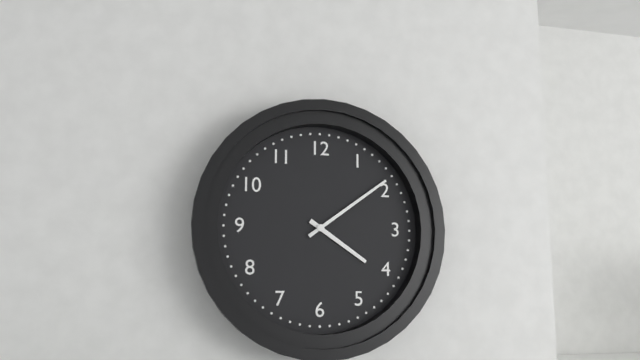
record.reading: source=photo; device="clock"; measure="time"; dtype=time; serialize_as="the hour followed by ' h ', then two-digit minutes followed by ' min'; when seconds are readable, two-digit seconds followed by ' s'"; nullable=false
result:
4 h 09 min
